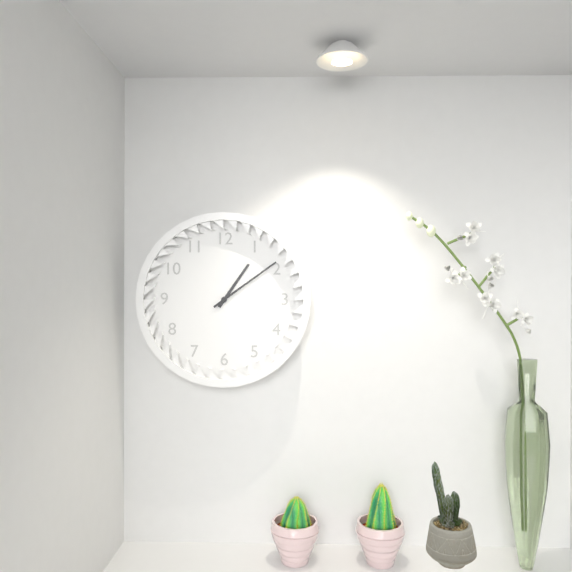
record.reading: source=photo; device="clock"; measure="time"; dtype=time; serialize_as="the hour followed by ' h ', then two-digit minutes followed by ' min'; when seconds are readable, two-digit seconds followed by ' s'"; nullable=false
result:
1 h 09 min
